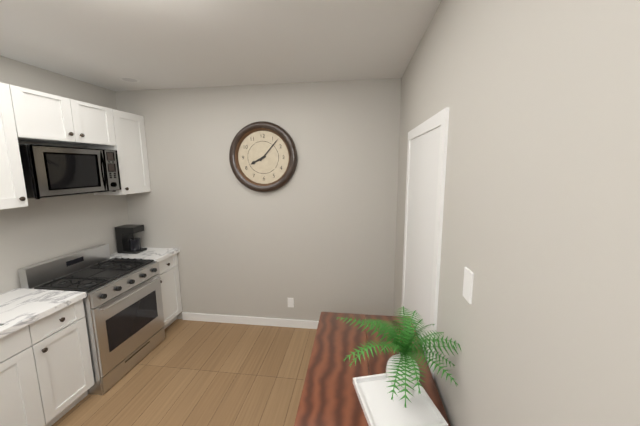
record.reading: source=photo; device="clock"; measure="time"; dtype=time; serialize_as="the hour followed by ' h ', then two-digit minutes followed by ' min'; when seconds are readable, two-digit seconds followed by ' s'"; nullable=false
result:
8 h 07 min
